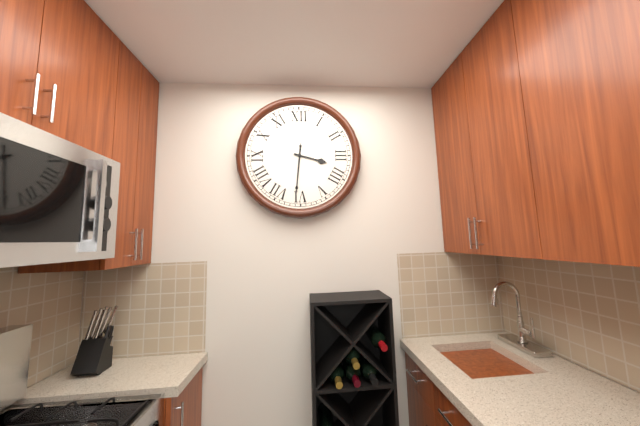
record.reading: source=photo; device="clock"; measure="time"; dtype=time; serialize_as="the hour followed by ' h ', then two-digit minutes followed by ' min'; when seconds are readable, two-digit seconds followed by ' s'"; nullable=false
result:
3 h 31 min 31 s
